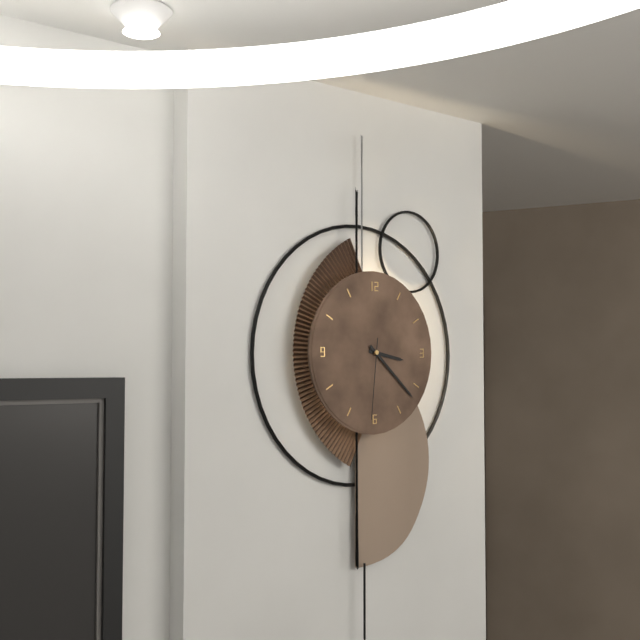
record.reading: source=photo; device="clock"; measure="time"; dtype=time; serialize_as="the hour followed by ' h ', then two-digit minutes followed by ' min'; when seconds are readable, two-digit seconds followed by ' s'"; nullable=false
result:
3 h 22 min 31 s
